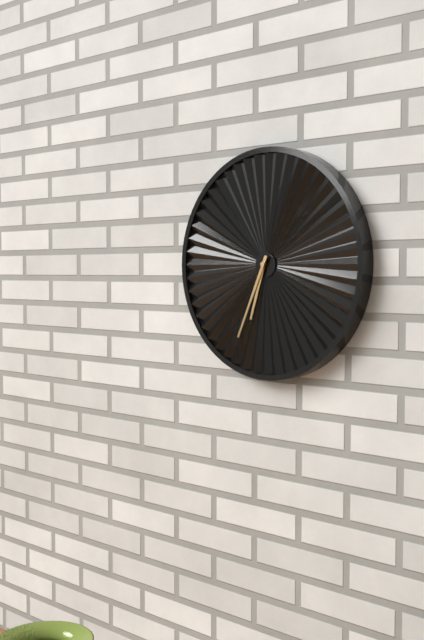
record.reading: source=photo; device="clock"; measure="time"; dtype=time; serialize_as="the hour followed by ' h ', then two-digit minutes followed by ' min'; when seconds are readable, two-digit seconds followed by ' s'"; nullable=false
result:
6 h 34 min
